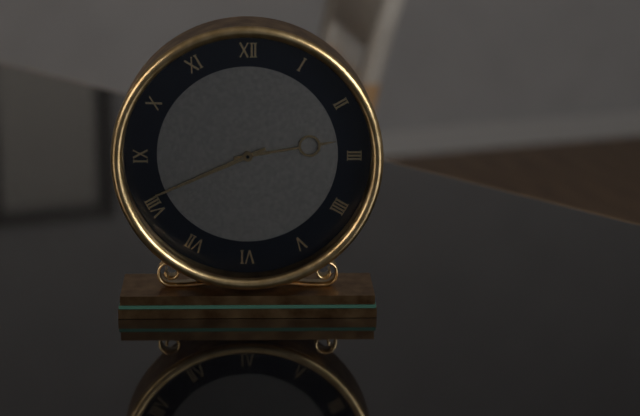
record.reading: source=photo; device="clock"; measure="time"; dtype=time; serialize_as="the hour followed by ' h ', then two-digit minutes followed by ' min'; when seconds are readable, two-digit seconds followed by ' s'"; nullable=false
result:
2 h 41 min
